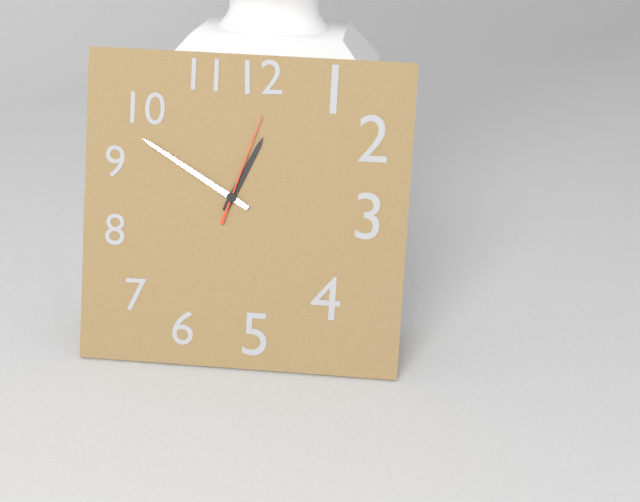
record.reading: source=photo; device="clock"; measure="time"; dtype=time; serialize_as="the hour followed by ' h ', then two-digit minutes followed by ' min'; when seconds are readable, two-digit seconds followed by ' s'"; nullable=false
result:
12 h 50 min 03 s
